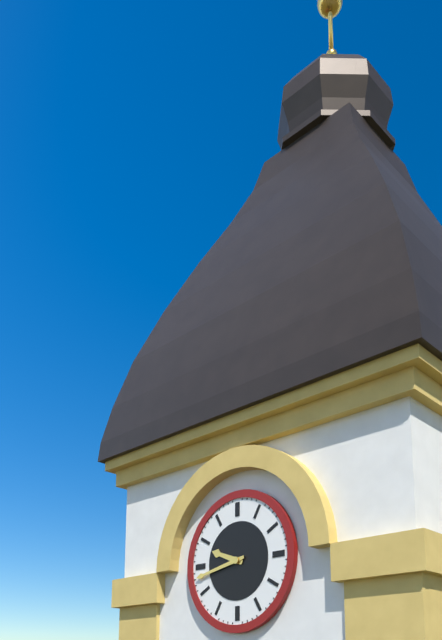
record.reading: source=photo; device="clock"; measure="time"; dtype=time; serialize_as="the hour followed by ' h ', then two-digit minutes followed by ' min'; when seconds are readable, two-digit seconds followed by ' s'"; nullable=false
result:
9 h 43 min
